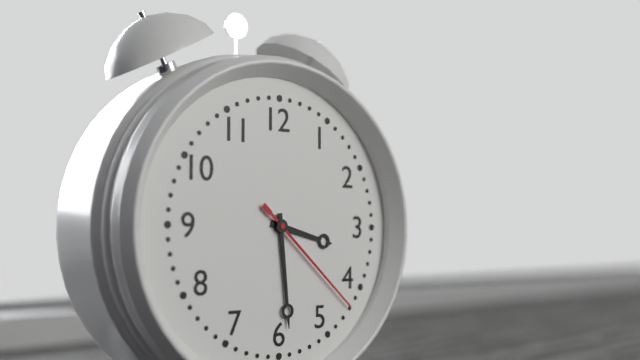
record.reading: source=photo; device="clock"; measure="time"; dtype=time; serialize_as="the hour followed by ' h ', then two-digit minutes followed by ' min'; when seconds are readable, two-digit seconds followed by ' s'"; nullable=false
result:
3 h 29 min 22 s
